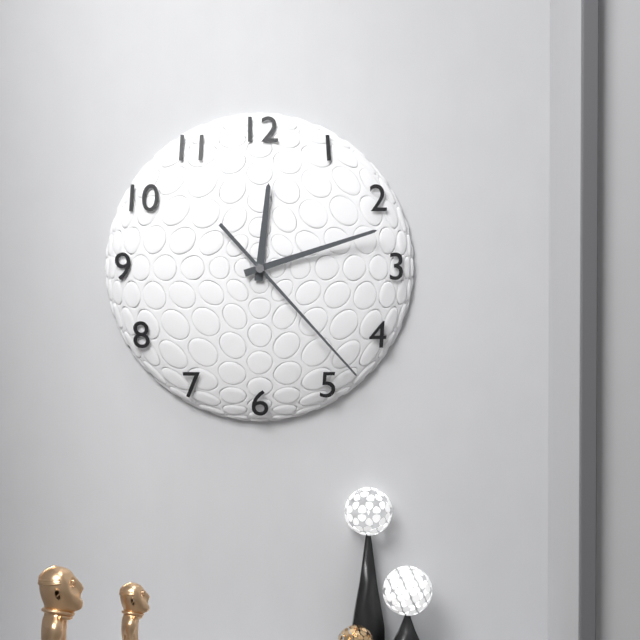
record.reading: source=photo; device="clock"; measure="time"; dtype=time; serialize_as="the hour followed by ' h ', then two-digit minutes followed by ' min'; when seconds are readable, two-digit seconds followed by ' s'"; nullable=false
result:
12 h 12 min 23 s
